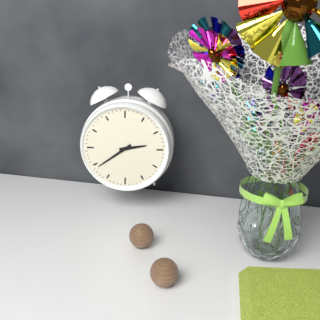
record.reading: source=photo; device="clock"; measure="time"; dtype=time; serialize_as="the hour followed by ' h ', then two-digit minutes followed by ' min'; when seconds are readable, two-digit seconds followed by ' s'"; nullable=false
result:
2 h 39 min
